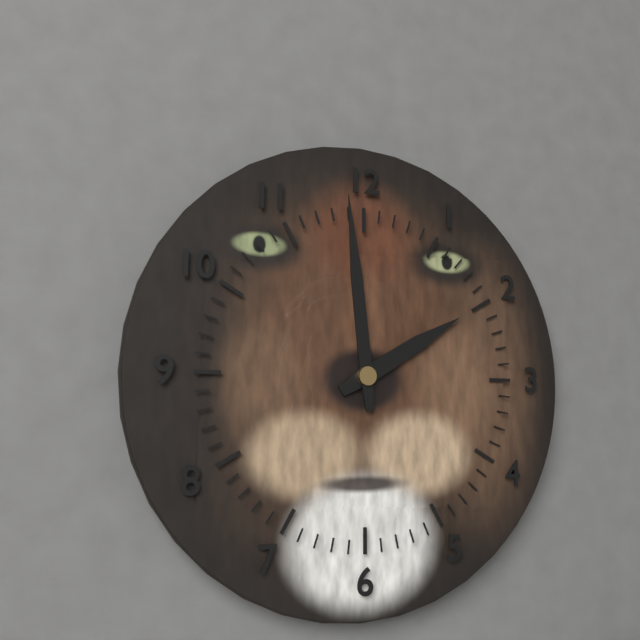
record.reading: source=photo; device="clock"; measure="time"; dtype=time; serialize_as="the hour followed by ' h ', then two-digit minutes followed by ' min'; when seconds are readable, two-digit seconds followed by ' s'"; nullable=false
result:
1 h 59 min
